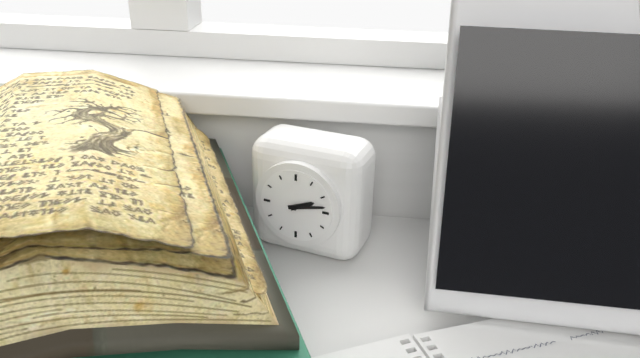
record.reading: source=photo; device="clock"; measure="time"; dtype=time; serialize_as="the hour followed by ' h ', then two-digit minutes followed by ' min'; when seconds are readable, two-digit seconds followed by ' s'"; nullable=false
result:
2 h 13 min
